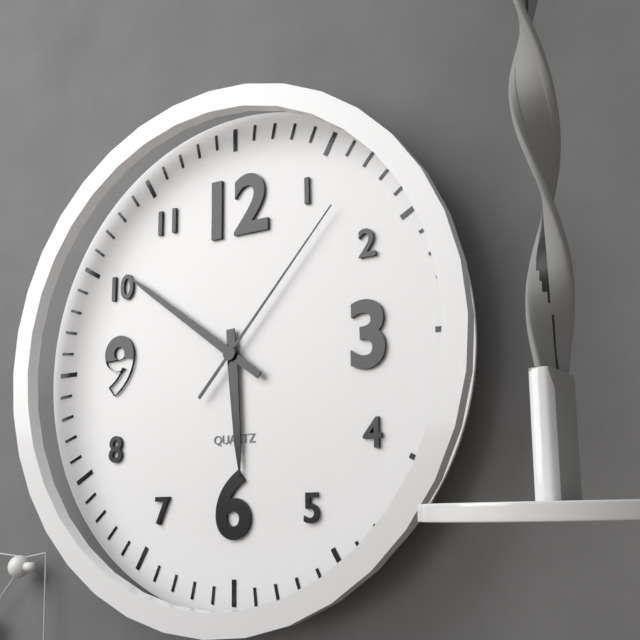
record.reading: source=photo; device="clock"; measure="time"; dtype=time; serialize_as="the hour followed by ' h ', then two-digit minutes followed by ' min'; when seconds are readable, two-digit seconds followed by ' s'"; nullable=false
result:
5 h 51 min 07 s
